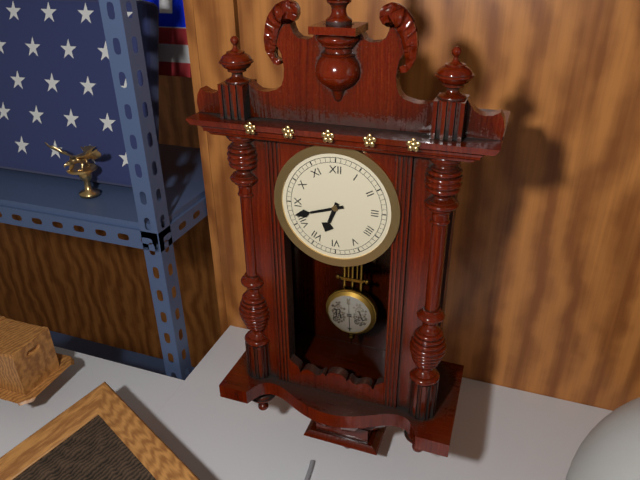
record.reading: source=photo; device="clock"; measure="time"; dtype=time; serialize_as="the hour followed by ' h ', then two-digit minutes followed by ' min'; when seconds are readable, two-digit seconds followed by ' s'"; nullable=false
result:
6 h 42 min
